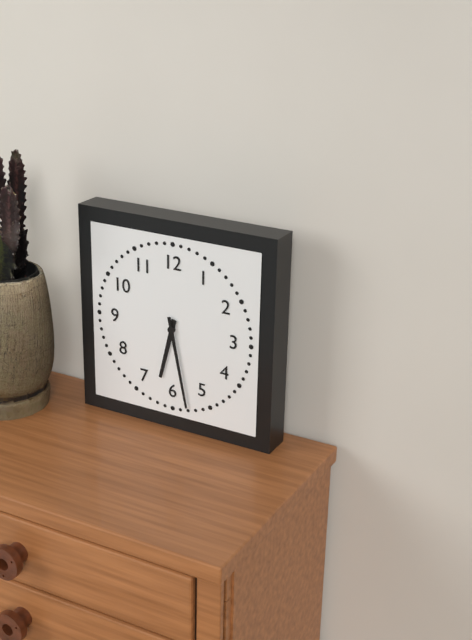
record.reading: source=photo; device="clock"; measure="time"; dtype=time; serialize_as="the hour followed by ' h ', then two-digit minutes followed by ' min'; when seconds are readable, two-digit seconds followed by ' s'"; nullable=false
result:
6 h 28 min
